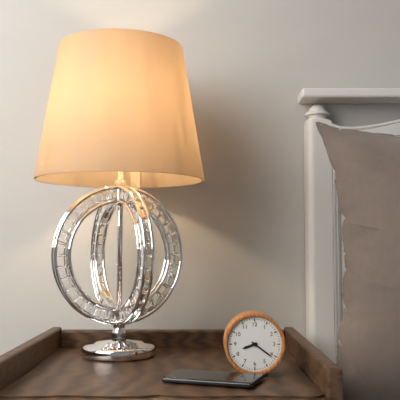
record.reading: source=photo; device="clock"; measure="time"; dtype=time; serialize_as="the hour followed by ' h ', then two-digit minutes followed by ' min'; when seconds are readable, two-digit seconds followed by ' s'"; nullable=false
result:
8 h 21 min
